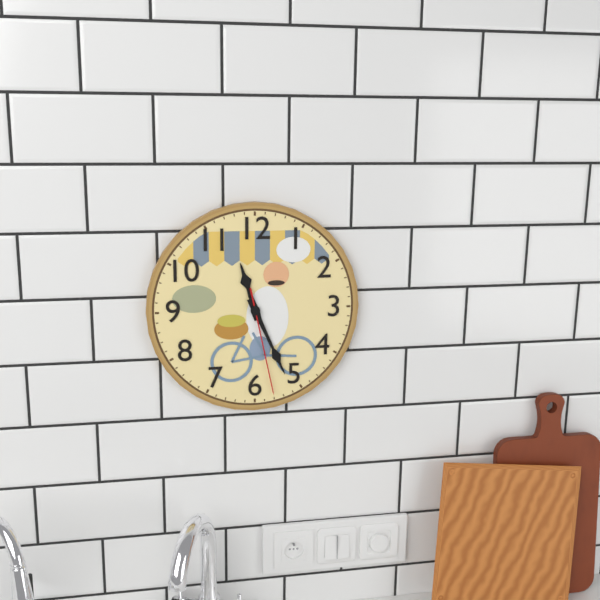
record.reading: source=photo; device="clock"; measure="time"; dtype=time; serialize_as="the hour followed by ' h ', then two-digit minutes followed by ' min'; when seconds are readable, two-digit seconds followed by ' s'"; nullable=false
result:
11 h 26 min 28 s
